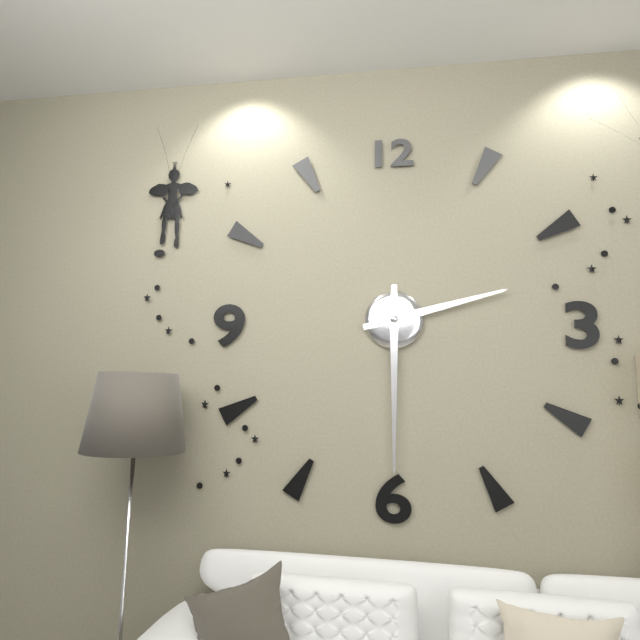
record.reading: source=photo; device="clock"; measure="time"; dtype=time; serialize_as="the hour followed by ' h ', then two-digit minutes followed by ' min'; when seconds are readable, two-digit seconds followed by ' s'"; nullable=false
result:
2 h 30 min
